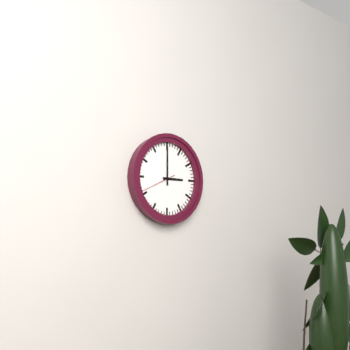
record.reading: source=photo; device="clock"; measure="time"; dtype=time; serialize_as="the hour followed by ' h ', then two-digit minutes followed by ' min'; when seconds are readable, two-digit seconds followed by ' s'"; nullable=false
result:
3 h 00 min
